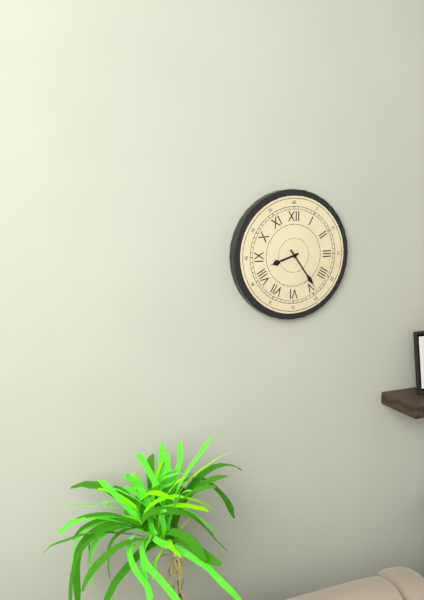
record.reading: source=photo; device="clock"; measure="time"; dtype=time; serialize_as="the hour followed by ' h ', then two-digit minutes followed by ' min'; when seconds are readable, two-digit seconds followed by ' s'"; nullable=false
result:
8 h 24 min
